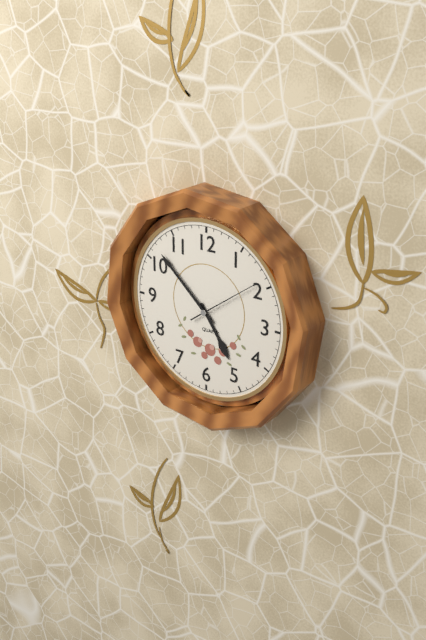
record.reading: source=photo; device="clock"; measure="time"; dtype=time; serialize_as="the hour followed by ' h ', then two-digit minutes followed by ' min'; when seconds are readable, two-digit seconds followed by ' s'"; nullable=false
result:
4 h 52 min 09 s
